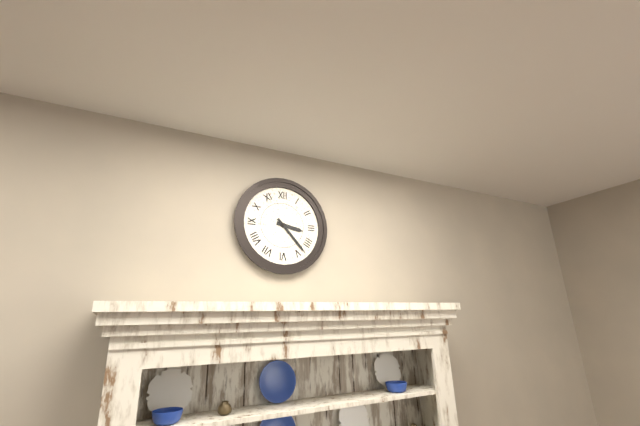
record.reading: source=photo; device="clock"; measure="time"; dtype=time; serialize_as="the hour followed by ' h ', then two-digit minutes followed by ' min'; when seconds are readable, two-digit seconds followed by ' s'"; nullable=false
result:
3 h 23 min
